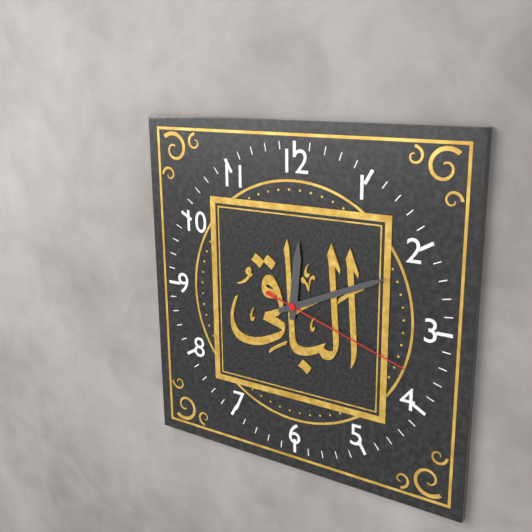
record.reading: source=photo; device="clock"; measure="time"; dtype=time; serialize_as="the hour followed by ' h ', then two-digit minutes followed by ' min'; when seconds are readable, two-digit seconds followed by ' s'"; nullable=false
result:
12 h 11 min 18 s
